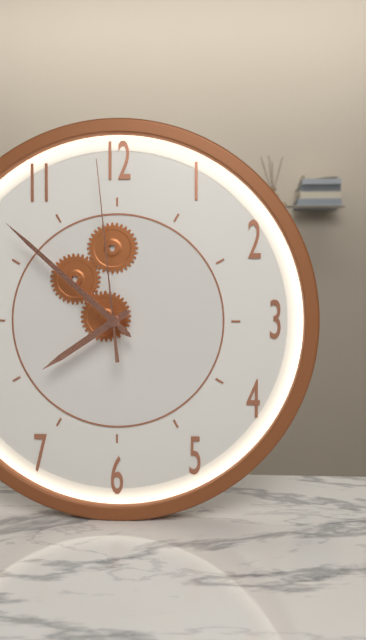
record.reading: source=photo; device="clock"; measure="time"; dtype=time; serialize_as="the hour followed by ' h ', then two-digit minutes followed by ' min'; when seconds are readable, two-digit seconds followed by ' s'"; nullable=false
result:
7 h 52 min 59 s
